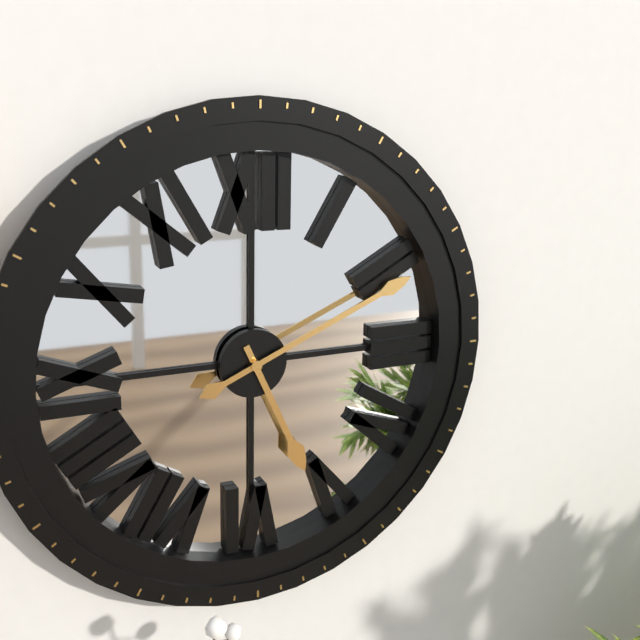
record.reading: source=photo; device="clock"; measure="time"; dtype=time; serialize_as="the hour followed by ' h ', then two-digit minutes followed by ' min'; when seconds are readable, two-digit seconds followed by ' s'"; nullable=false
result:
5 h 11 min
